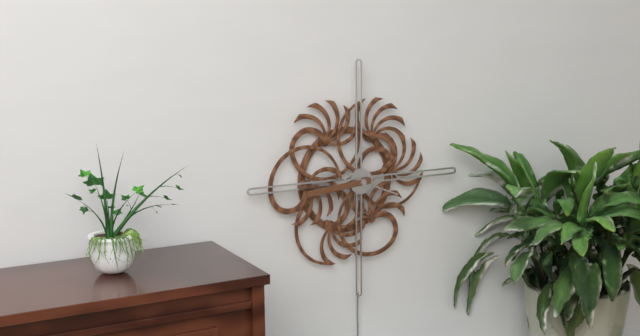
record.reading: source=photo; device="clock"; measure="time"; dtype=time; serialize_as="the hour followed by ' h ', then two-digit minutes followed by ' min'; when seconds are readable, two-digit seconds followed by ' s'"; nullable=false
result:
3 h 44 min
